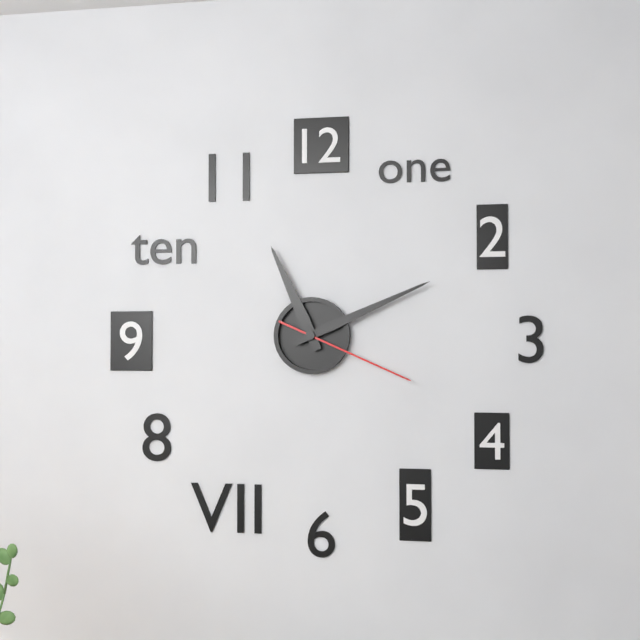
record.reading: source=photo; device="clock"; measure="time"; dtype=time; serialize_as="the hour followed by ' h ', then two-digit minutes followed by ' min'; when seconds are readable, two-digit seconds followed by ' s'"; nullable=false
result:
11 h 11 min 19 s
